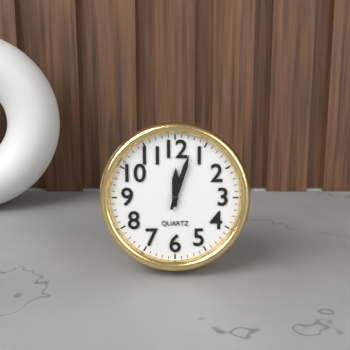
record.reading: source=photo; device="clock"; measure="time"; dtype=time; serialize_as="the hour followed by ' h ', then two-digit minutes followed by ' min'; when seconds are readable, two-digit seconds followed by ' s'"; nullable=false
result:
12 h 03 min
